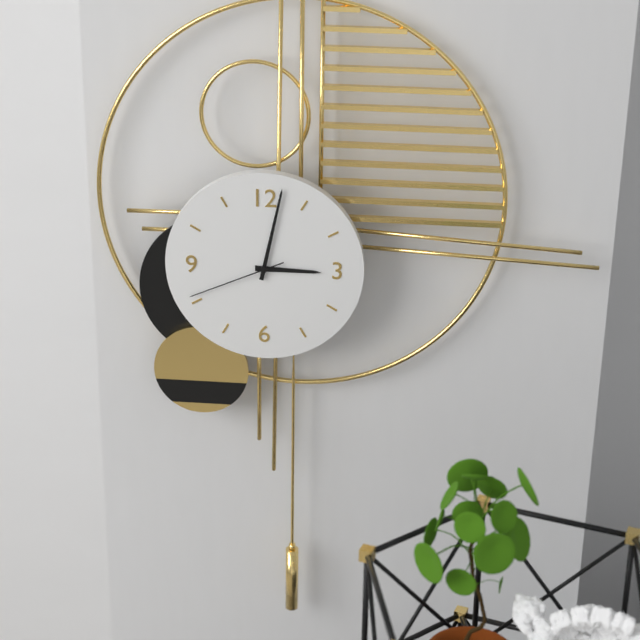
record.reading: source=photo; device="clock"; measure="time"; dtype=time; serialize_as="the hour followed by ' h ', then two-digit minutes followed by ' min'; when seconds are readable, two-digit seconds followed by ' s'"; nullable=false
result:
3 h 02 min 41 s
